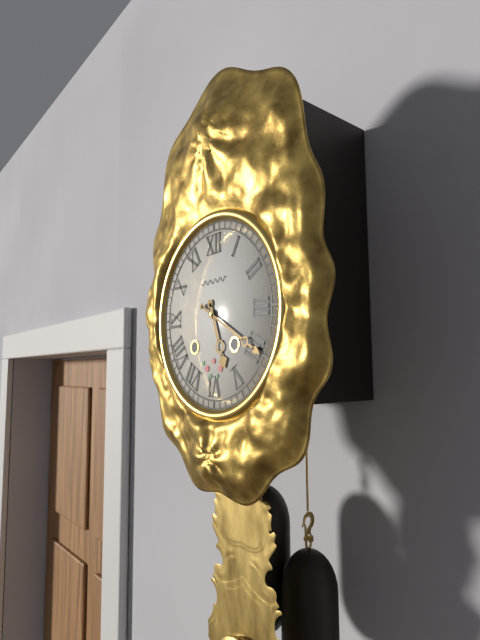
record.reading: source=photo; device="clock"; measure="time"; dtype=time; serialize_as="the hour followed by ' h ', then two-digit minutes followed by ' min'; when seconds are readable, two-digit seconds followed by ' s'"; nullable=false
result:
5 h 20 min
